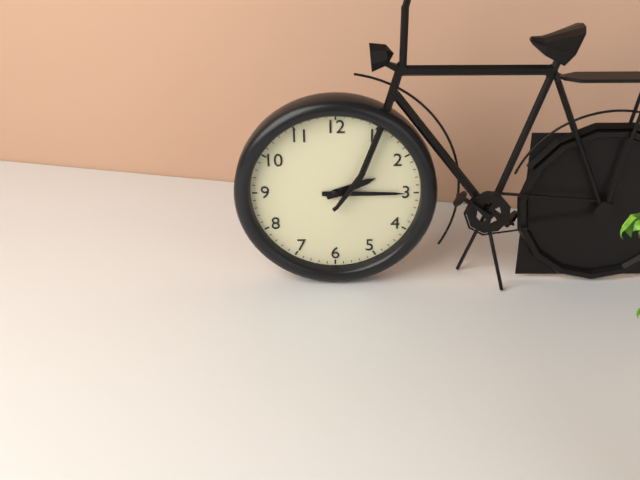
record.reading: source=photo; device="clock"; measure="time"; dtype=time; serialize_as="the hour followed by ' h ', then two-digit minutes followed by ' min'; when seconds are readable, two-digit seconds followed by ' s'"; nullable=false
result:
2 h 15 min
